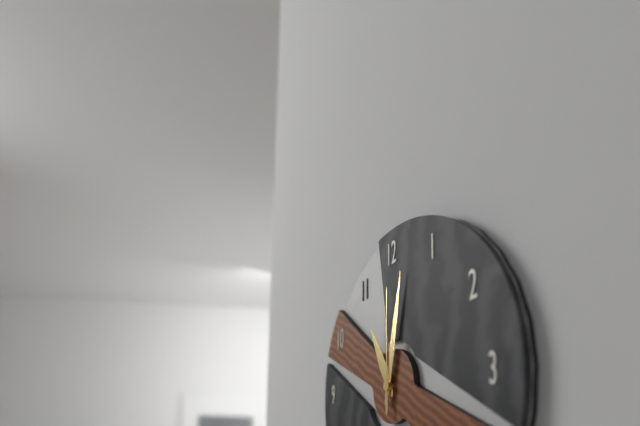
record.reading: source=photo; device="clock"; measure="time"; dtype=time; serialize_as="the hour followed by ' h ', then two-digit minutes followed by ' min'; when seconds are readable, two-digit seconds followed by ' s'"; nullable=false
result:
11 h 02 min 00 s
